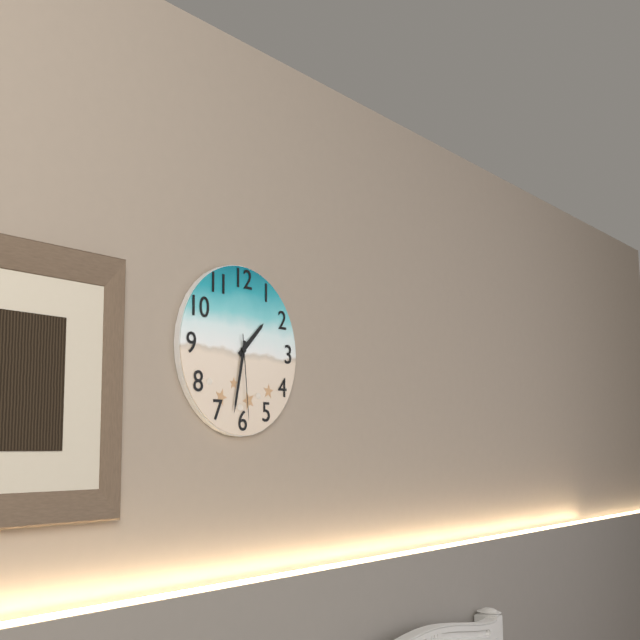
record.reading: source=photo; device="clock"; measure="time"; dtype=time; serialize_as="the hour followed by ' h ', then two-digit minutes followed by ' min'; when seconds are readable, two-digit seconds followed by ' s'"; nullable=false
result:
1 h 32 min 29 s
